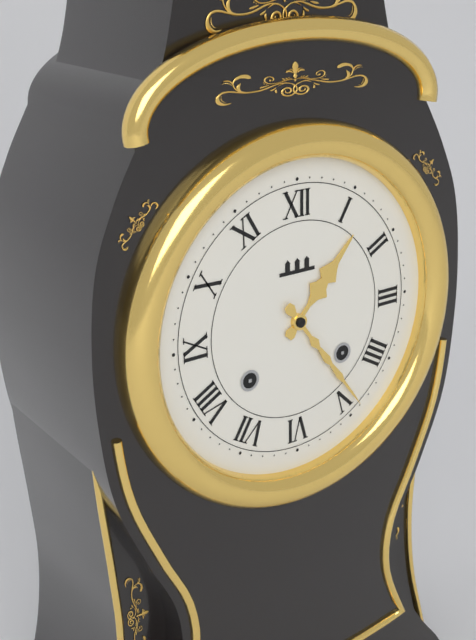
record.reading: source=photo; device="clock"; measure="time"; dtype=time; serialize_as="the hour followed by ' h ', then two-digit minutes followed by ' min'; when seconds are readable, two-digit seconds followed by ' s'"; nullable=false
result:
1 h 24 min
